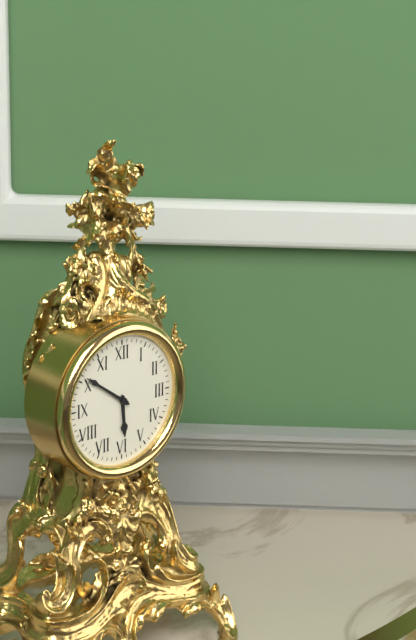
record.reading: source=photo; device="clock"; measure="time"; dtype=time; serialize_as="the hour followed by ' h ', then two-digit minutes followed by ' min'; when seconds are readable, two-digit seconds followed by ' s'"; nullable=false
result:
5 h 51 min
